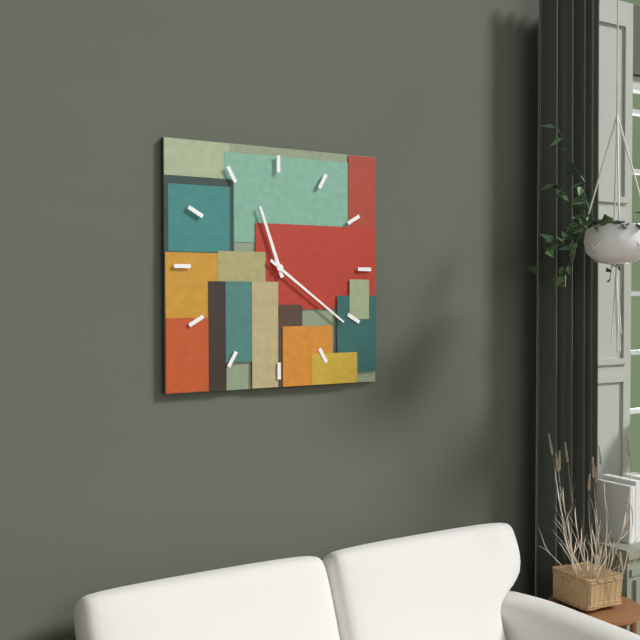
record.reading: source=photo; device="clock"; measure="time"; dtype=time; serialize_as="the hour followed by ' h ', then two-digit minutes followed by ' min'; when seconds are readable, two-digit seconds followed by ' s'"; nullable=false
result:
11 h 21 min
